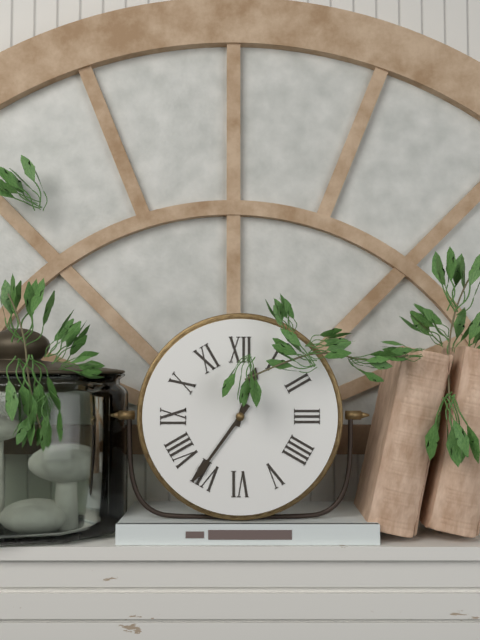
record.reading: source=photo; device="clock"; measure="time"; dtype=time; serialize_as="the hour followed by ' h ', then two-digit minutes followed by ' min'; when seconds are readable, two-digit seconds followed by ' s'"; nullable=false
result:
12 h 36 min
